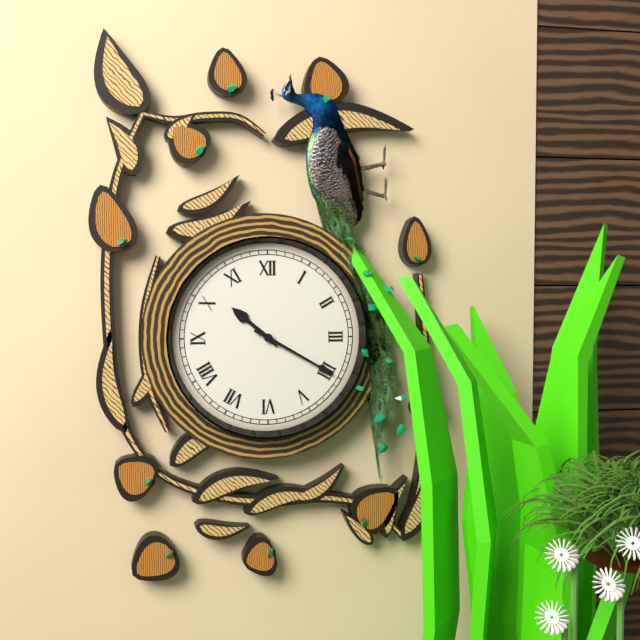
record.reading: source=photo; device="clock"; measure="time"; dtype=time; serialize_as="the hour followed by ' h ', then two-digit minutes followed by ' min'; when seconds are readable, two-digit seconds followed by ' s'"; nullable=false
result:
10 h 20 min
